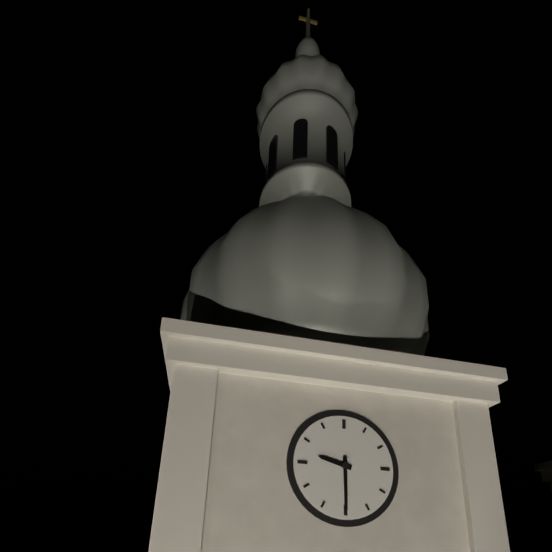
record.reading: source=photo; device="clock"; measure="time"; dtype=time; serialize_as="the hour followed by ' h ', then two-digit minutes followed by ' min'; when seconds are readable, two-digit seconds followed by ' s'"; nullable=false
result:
9 h 30 min
